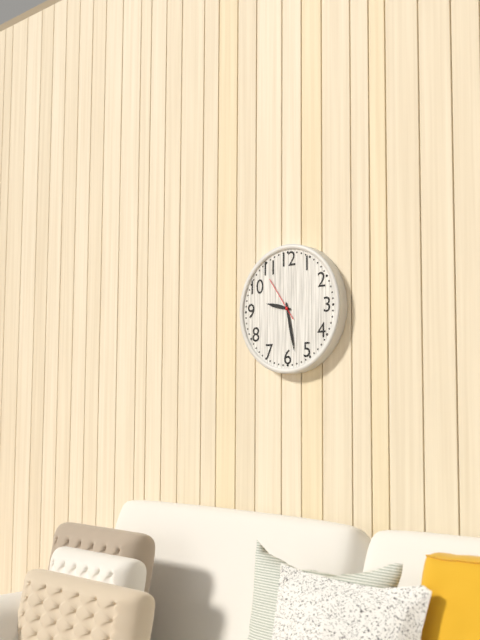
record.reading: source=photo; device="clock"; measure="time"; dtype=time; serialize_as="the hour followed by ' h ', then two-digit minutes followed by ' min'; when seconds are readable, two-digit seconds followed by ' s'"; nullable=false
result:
9 h 28 min
